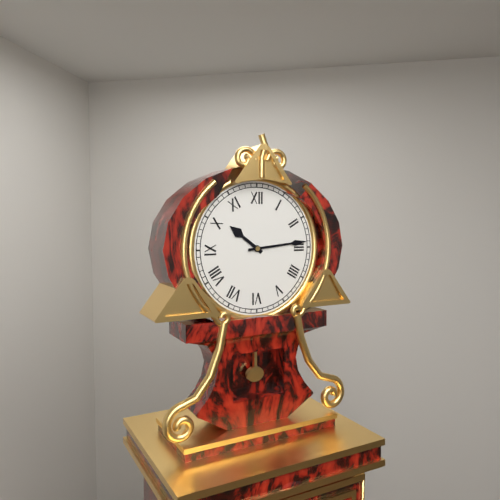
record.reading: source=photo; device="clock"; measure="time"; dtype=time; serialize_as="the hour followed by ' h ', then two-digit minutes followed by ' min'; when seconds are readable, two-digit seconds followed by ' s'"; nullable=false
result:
10 h 14 min
